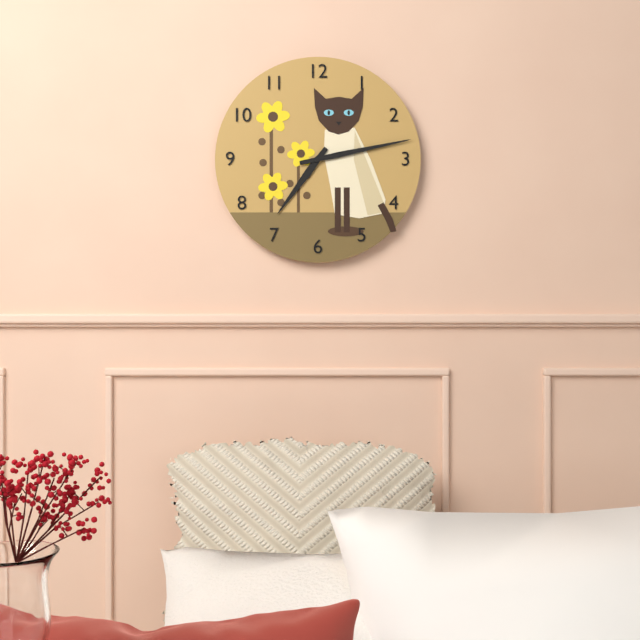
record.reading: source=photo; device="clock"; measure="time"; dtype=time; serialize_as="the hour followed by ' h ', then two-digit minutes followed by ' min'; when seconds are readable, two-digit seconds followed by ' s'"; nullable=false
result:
7 h 13 min
